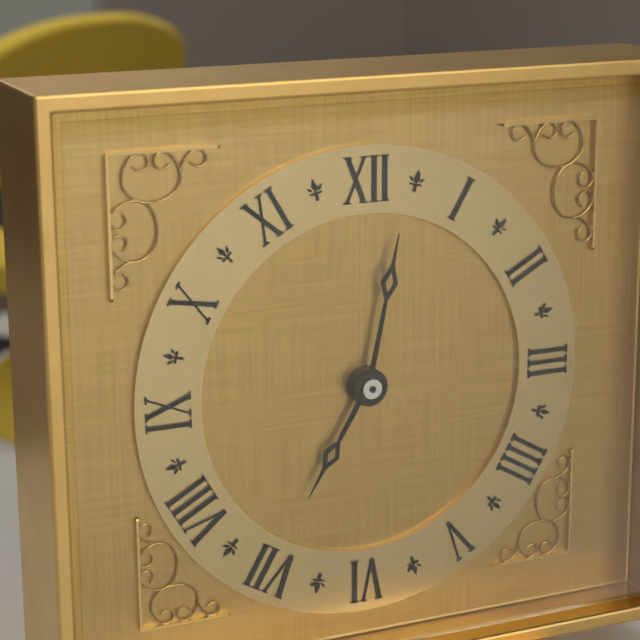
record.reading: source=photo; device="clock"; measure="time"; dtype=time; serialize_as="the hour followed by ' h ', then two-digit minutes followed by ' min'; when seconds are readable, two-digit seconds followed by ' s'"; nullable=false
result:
7 h 02 min
